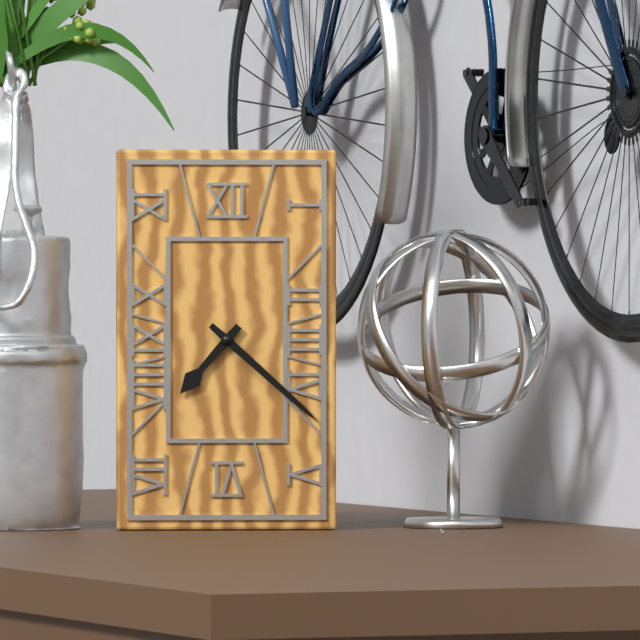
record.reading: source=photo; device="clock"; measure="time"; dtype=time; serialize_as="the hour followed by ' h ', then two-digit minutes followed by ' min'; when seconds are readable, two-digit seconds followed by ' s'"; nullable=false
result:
7 h 22 min
